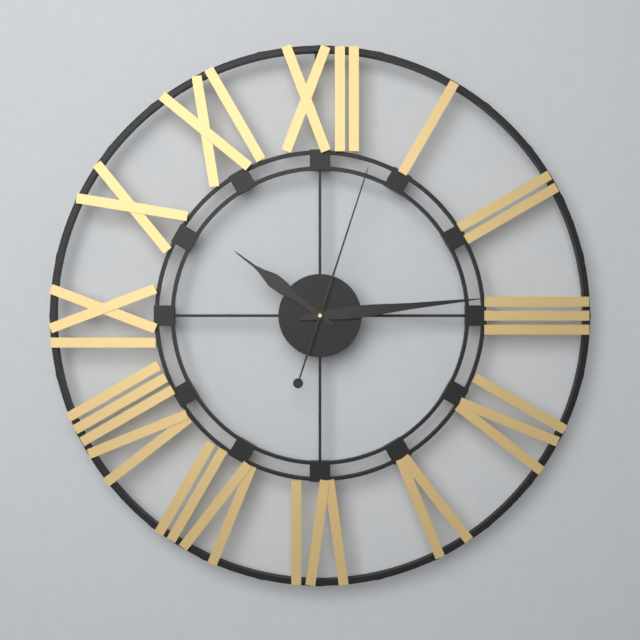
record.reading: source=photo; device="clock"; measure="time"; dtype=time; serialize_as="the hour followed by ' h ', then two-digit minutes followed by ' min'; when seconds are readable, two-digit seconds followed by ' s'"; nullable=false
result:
10 h 14 min 03 s
